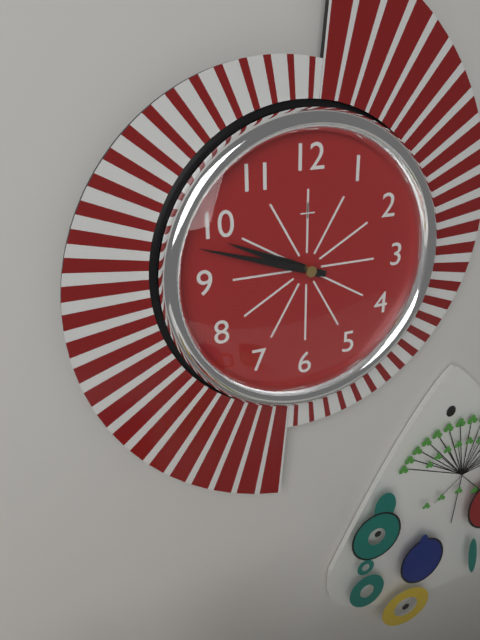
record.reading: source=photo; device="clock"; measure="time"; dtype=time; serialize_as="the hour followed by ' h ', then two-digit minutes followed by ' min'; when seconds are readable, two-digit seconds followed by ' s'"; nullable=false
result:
9 h 48 min
